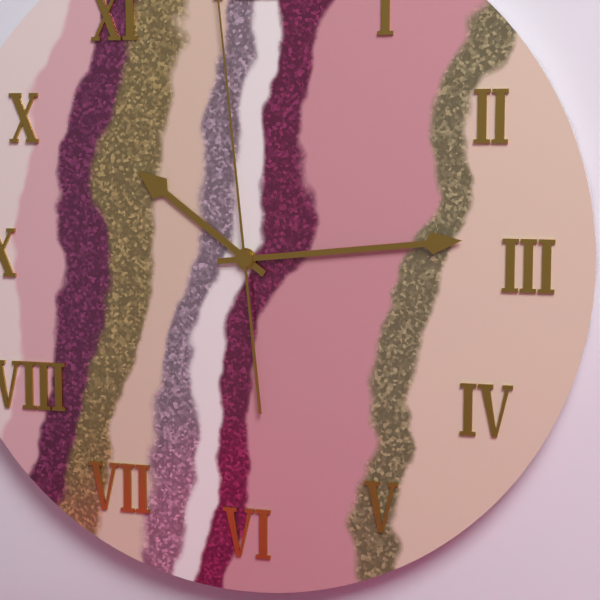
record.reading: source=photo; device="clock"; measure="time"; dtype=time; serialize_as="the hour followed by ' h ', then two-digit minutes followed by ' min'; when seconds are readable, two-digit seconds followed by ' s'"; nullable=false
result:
10 h 14 min
